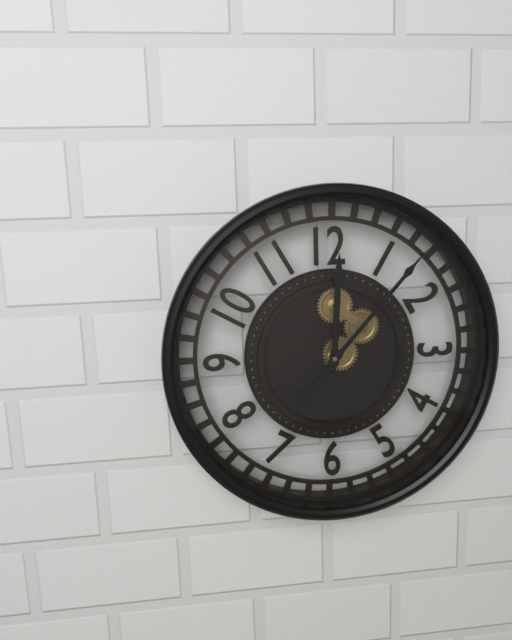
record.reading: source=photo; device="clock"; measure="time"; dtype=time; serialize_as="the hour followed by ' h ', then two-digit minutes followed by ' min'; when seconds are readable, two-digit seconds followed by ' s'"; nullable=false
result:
12 h 07 min
